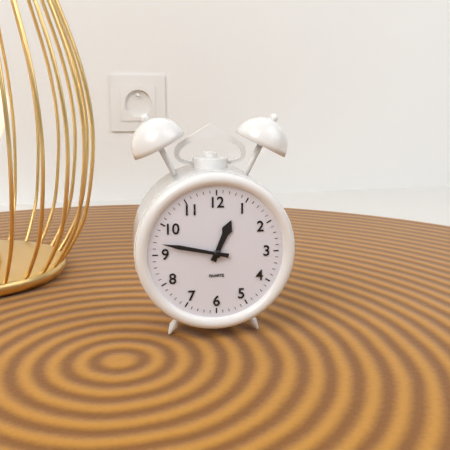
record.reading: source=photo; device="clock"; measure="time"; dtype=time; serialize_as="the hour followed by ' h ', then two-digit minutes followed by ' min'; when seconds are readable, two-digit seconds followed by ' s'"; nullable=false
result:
12 h 47 min
